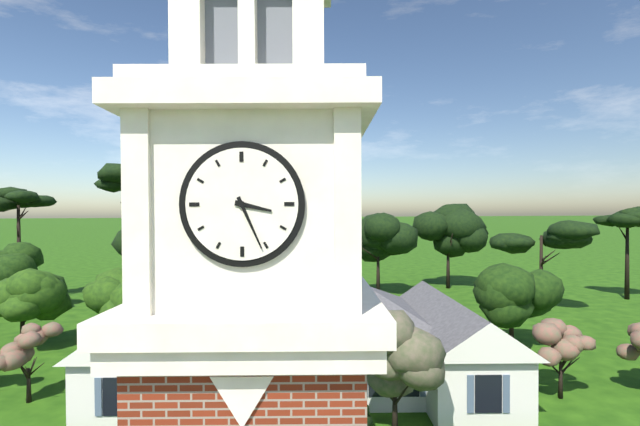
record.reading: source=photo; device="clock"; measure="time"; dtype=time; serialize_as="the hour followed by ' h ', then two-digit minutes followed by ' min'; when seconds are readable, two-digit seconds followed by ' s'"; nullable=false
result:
3 h 26 min
